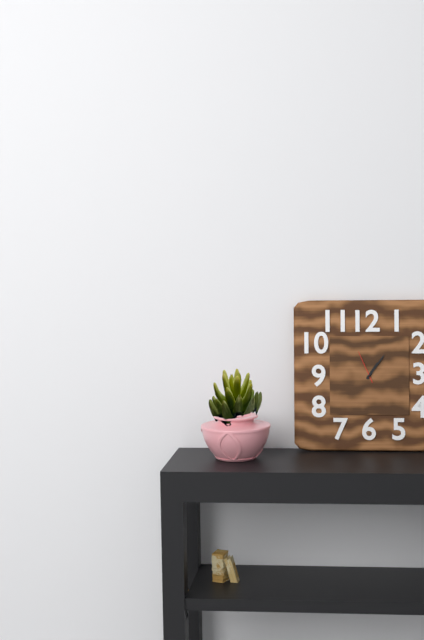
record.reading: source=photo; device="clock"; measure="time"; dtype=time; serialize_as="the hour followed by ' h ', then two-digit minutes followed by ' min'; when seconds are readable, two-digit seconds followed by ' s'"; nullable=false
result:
1 h 06 min
